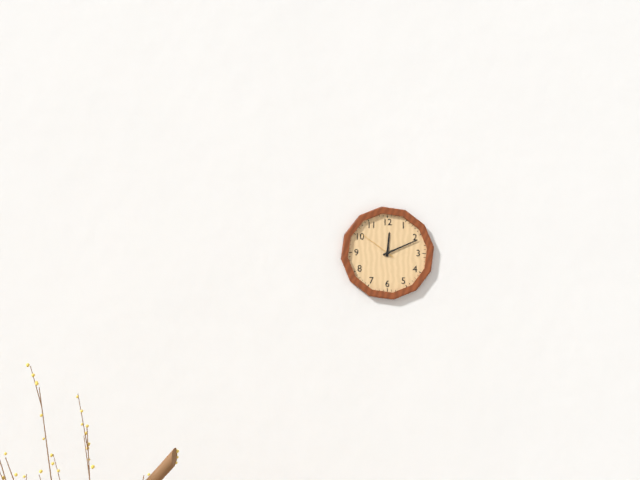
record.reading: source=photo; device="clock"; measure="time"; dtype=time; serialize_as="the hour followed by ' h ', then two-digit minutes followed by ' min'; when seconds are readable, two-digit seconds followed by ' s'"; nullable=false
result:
12 h 11 min
